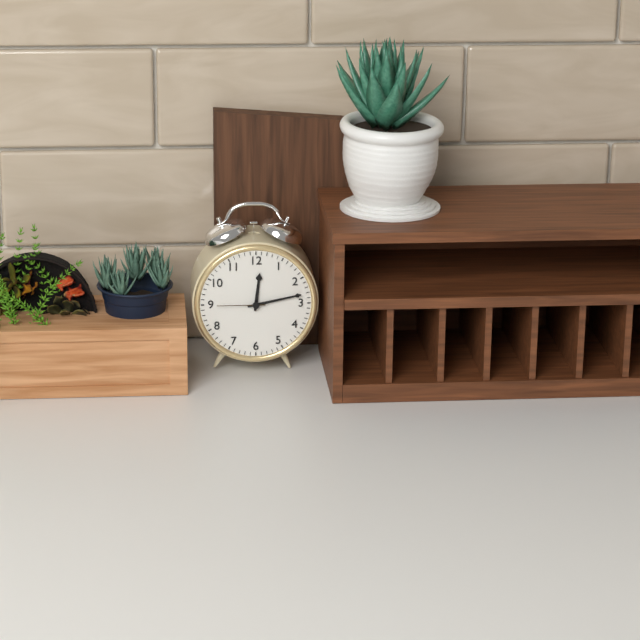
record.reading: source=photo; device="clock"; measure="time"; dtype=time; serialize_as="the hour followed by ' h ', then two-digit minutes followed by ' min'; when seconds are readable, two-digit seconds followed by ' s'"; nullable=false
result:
12 h 13 min
